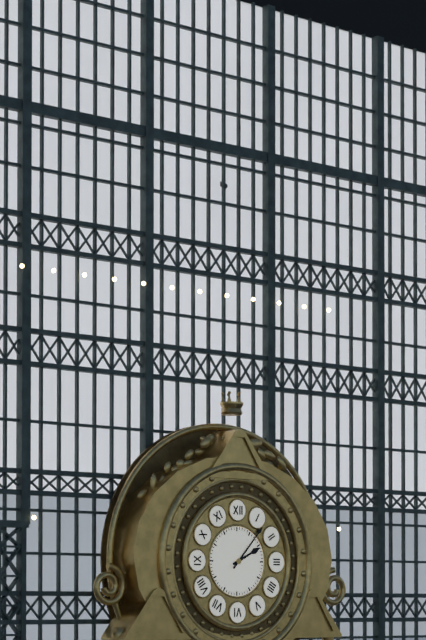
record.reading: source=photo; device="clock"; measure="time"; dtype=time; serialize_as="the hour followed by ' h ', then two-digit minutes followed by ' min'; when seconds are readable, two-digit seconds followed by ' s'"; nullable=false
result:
2 h 07 min
